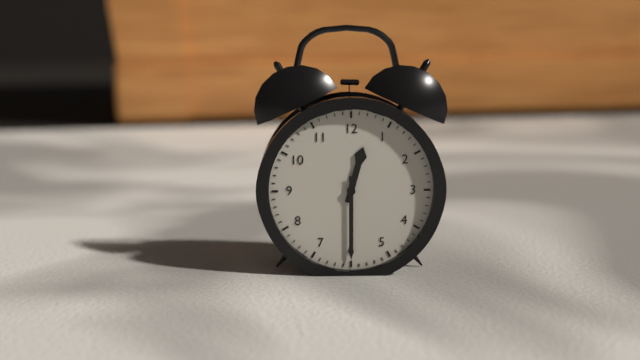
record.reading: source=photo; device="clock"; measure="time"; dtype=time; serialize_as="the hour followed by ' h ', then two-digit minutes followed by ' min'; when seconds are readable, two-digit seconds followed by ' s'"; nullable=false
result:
12 h 30 min
